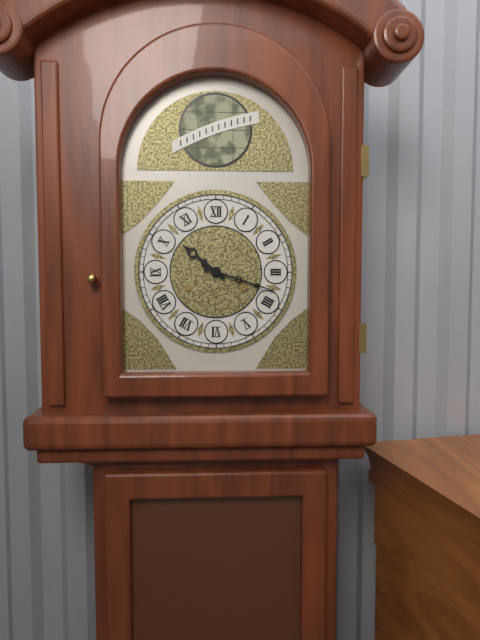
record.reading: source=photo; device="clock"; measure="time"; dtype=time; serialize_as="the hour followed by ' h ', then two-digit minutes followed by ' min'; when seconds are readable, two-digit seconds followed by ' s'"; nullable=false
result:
10 h 18 min
